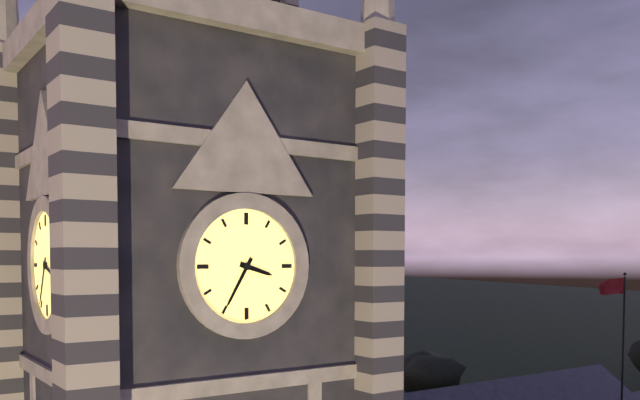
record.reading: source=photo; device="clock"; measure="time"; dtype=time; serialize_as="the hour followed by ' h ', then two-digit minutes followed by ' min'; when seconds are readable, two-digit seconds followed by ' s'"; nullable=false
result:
3 h 35 min
